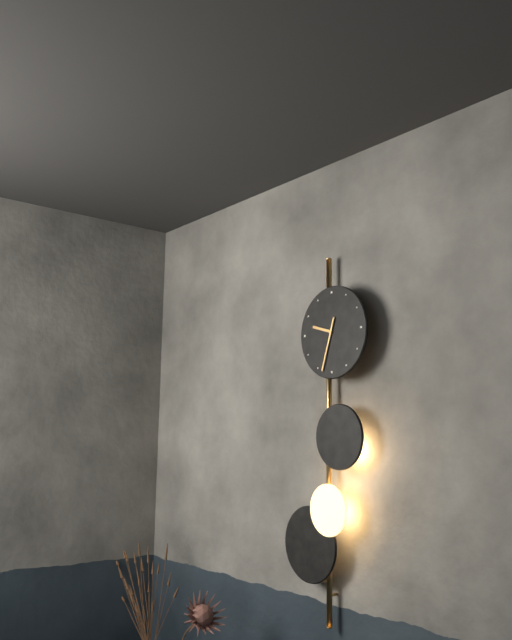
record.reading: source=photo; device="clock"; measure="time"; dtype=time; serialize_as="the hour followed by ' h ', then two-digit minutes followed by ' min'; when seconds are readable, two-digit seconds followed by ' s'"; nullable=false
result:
9 h 33 min
